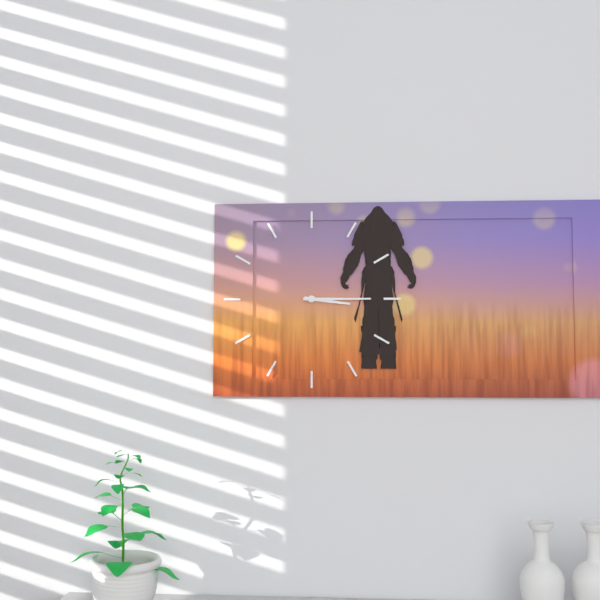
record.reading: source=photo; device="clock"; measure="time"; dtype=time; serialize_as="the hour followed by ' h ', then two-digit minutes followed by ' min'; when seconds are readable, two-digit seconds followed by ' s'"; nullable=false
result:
3 h 15 min
